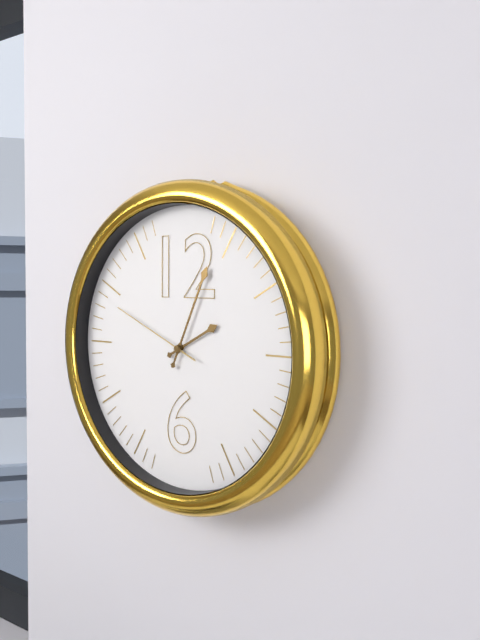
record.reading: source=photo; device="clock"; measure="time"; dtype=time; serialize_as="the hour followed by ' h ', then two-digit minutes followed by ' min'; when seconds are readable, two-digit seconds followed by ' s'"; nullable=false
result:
2 h 04 min 49 s
